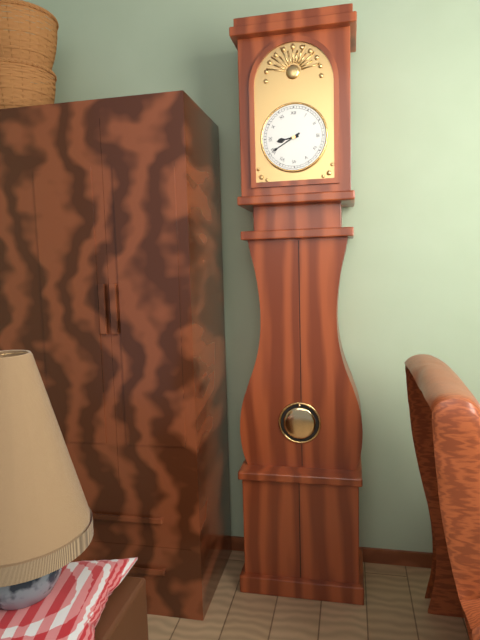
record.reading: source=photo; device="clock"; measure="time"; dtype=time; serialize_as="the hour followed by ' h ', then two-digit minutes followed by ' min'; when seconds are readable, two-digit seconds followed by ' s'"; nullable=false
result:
8 h 40 min
